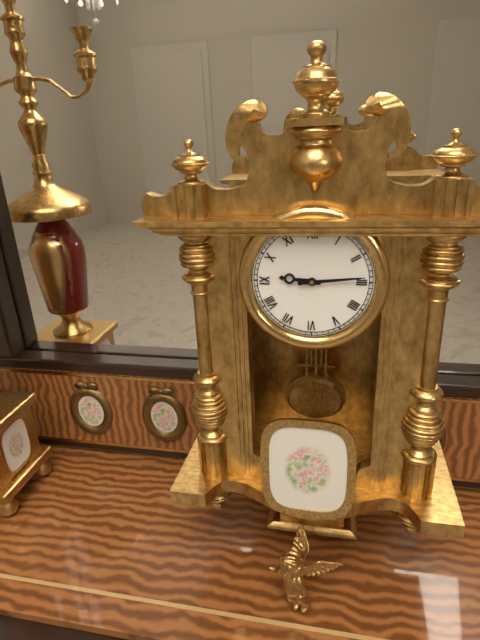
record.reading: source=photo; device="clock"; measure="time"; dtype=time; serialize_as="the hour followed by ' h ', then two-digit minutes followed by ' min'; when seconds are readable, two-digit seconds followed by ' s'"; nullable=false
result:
9 h 14 min
